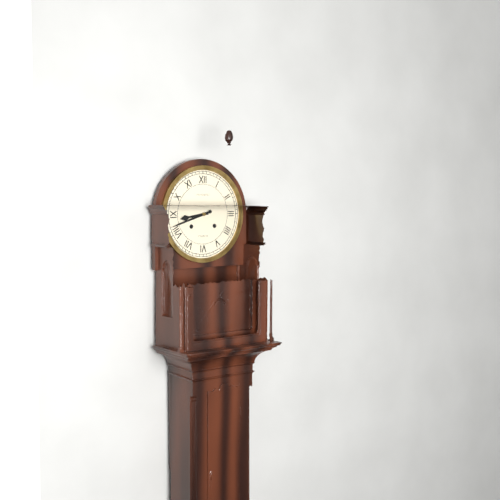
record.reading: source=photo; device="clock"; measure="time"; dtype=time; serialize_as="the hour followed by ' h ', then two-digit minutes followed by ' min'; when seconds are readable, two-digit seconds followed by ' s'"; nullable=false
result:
8 h 42 min
